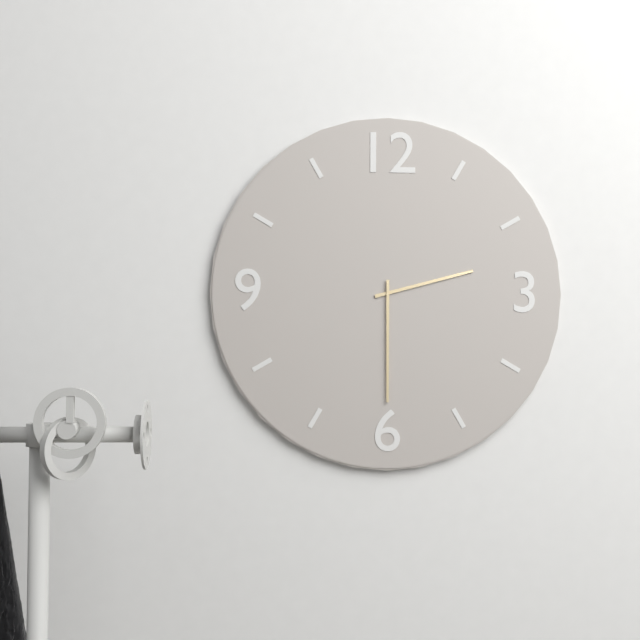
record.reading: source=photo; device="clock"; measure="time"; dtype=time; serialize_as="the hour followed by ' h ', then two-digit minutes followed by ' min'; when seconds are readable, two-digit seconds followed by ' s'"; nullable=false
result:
2 h 30 min
